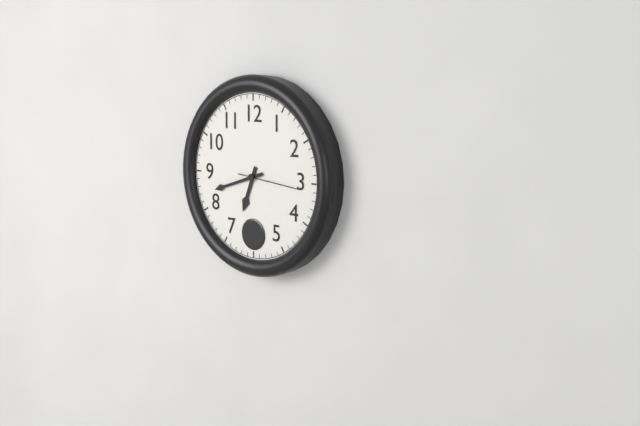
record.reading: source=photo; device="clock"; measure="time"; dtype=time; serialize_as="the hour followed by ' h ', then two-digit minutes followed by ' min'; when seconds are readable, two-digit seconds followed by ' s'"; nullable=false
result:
6 h 42 min 16 s
